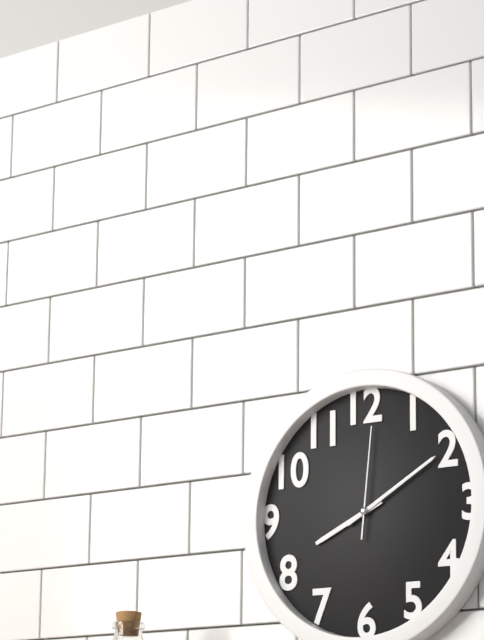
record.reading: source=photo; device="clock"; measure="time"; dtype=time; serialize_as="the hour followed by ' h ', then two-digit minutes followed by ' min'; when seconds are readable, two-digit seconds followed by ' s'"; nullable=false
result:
8 h 10 min 01 s
